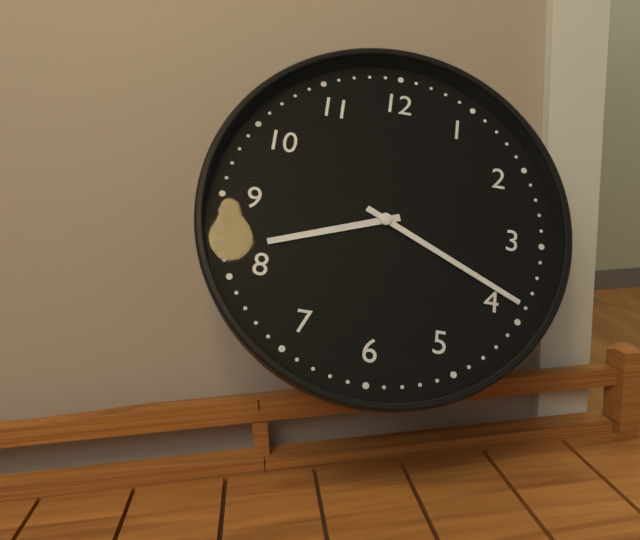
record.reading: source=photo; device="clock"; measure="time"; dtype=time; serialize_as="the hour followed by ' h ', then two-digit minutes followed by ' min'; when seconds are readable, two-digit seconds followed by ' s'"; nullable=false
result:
8 h 19 min
